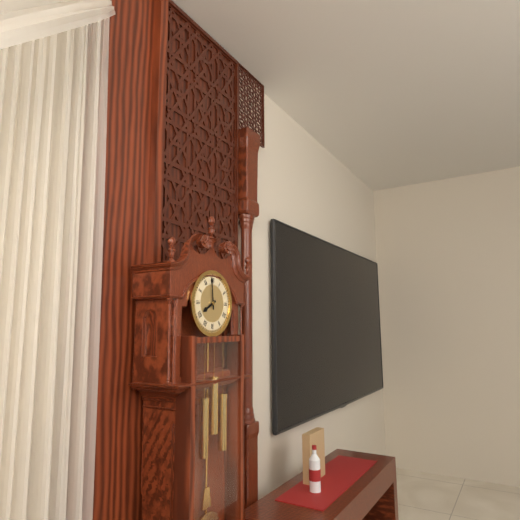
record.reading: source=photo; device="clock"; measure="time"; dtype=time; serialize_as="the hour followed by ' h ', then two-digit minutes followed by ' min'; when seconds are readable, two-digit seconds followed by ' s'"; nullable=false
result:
7 h 59 min
